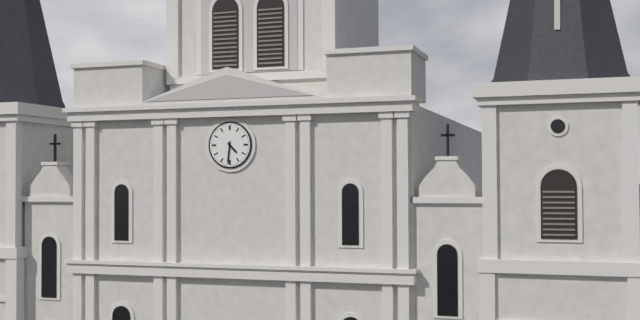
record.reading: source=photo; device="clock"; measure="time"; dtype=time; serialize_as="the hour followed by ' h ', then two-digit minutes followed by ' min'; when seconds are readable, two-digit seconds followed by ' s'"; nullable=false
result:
4 h 31 min
